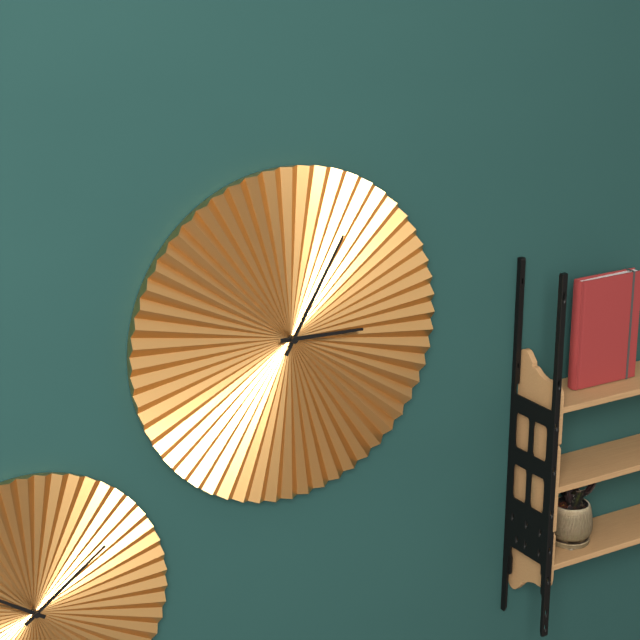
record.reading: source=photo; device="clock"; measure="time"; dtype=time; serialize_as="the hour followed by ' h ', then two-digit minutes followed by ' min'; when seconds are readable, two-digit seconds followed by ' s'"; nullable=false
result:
3 h 05 min
